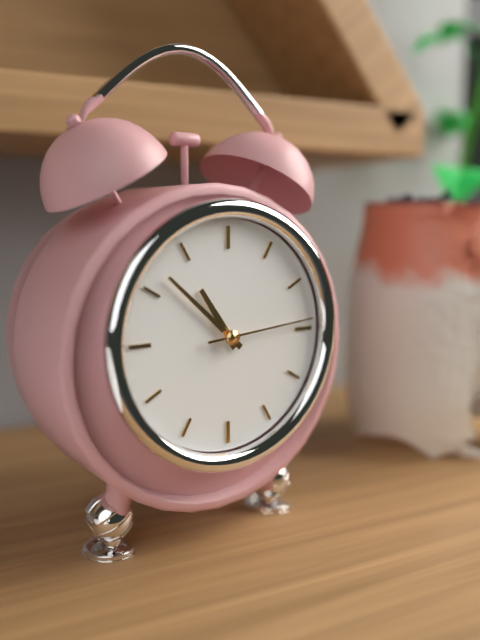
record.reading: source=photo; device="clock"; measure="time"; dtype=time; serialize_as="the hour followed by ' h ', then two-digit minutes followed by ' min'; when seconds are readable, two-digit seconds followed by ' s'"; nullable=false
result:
10 h 52 min 14 s
